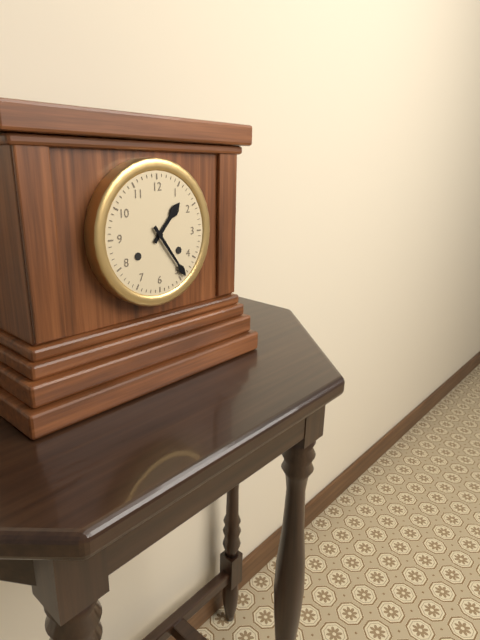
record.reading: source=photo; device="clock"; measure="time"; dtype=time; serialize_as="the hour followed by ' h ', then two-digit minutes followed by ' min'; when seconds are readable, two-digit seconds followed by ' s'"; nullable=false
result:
1 h 24 min
